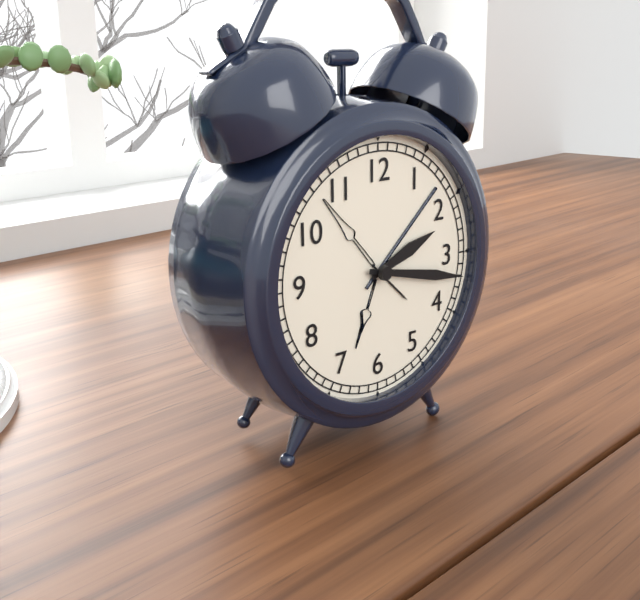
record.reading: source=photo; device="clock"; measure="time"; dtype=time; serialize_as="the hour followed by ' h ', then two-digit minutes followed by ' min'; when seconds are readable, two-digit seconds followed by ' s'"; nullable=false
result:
2 h 17 min
